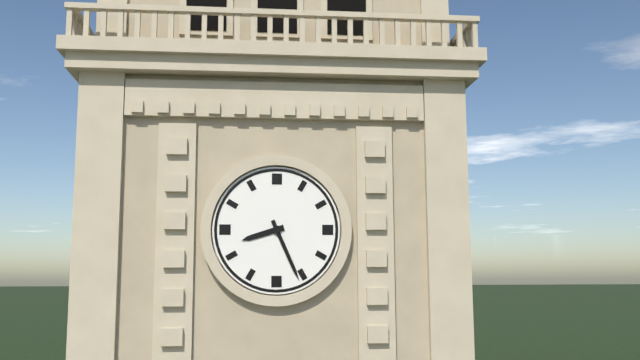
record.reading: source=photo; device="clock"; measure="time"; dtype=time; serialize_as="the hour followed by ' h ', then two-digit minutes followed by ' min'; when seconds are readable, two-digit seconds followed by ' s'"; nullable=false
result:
8 h 26 min
